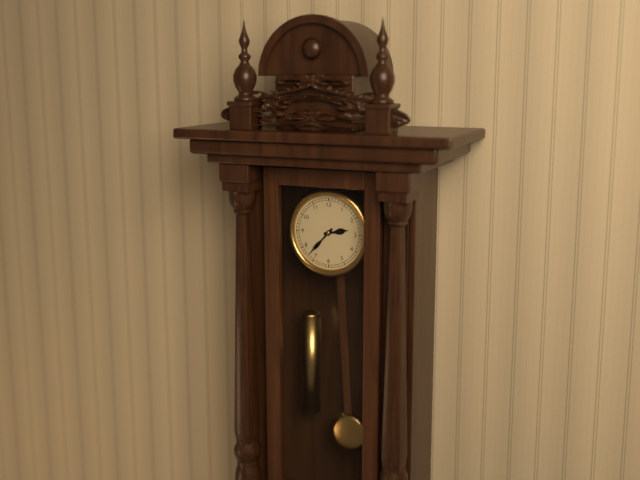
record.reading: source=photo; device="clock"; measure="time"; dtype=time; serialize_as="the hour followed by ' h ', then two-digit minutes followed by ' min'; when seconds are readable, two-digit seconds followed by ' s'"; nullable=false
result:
2 h 37 min
